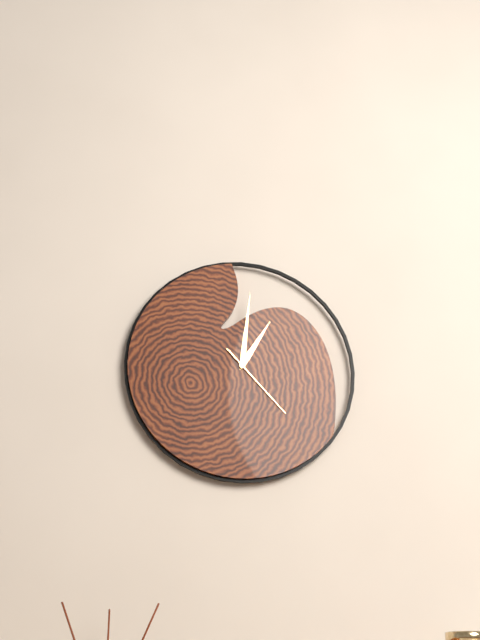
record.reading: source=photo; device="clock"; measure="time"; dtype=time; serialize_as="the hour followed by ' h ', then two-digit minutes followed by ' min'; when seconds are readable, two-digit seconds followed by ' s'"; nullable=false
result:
1 h 01 min 23 s
